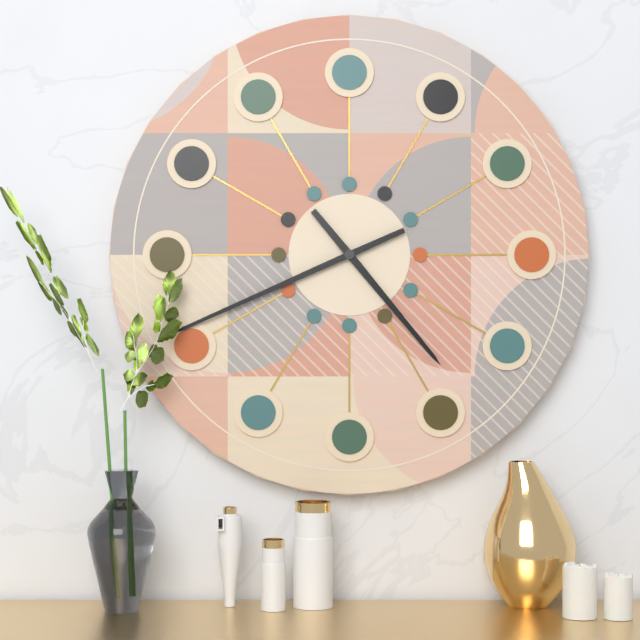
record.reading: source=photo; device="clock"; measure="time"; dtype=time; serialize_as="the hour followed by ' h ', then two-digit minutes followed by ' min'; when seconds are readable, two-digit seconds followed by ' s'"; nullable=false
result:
4 h 41 min
